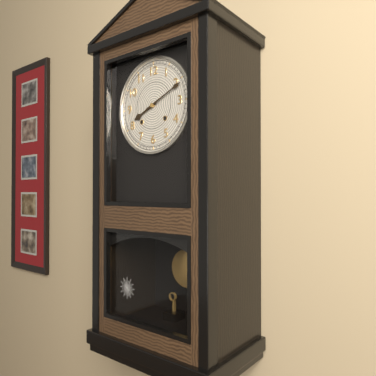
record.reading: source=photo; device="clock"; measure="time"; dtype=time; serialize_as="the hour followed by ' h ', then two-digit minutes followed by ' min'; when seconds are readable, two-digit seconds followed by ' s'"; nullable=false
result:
8 h 11 min
